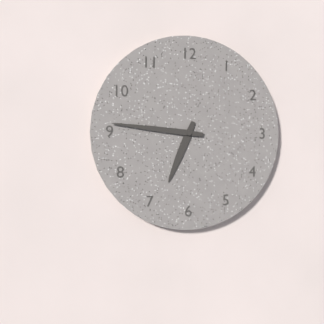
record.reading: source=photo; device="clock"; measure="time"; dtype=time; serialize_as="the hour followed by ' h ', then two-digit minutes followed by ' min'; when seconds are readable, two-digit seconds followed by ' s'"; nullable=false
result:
6 h 46 min
